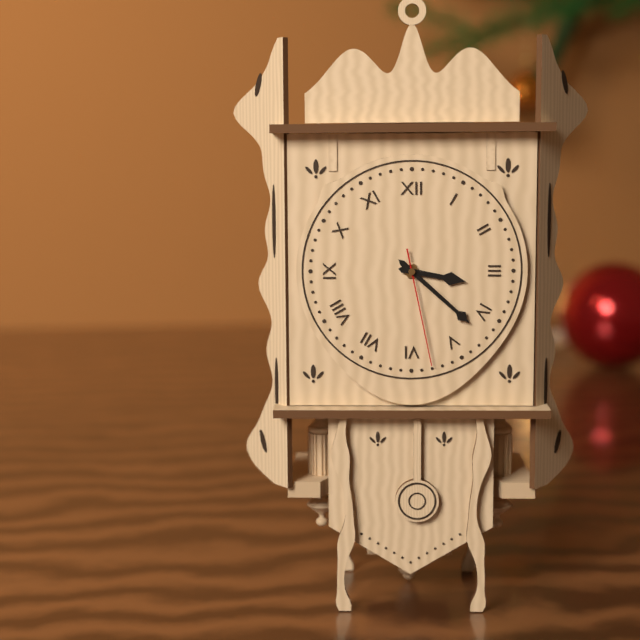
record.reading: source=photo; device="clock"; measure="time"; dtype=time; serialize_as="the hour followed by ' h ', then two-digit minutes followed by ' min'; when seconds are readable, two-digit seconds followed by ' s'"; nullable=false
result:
3 h 22 min 28 s
